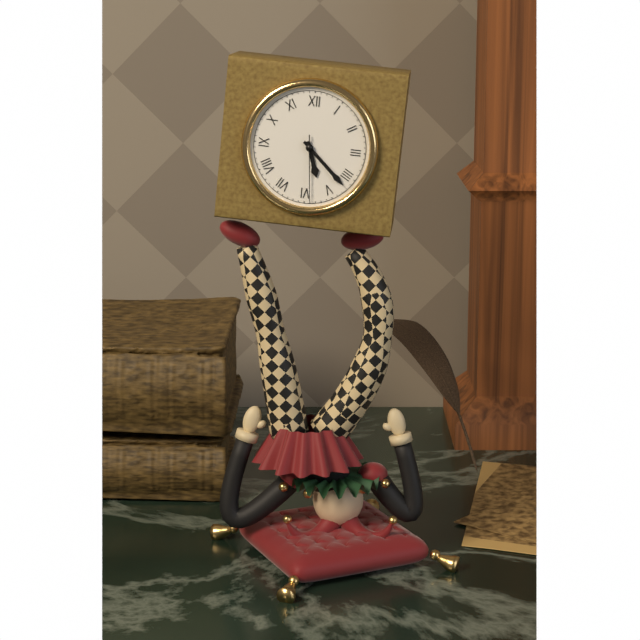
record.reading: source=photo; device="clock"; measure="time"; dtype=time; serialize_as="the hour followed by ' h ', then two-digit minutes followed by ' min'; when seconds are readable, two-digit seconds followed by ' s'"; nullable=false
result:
5 h 22 min 29 s
